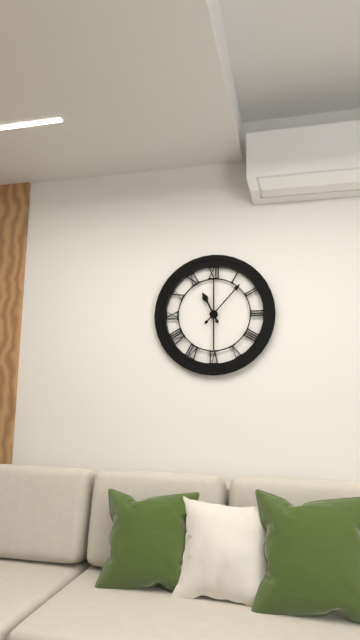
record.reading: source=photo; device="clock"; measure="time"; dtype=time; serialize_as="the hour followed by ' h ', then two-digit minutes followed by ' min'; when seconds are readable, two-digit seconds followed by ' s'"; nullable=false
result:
11 h 07 min
